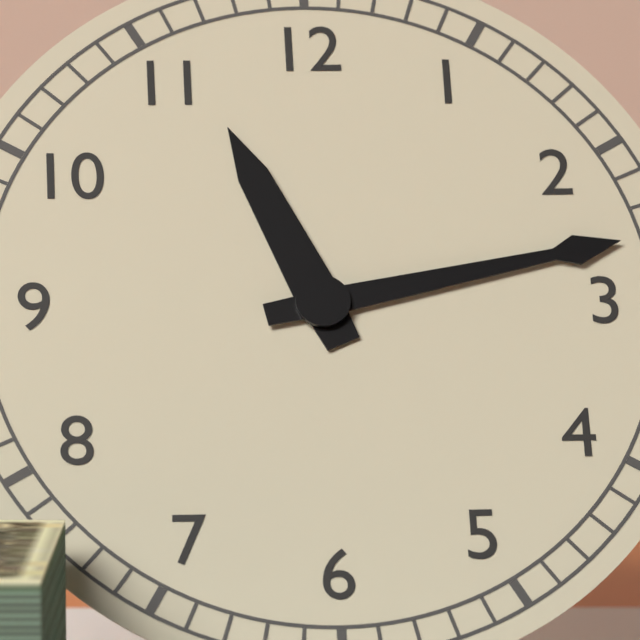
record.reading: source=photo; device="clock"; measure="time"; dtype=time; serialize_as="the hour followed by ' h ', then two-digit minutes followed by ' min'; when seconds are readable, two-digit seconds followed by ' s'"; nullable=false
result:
11 h 13 min
